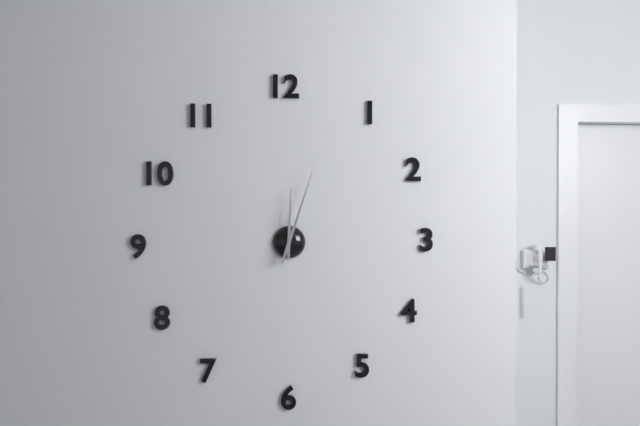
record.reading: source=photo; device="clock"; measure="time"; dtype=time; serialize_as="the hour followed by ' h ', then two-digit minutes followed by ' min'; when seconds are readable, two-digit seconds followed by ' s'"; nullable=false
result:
12 h 03 min
